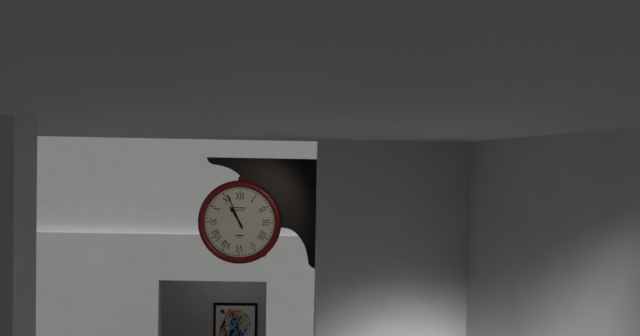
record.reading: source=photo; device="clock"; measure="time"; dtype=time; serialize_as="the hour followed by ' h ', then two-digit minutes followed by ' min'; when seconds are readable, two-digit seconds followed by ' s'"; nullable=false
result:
10 h 56 min
